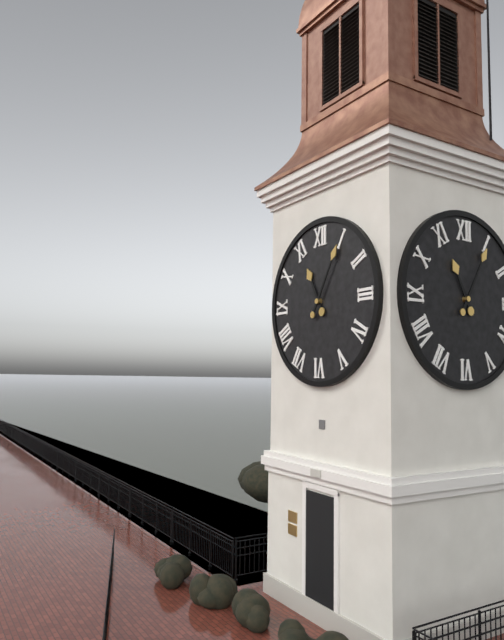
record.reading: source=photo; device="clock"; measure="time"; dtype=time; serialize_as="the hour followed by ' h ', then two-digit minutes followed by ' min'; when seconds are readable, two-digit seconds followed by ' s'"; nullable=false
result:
11 h 05 min
